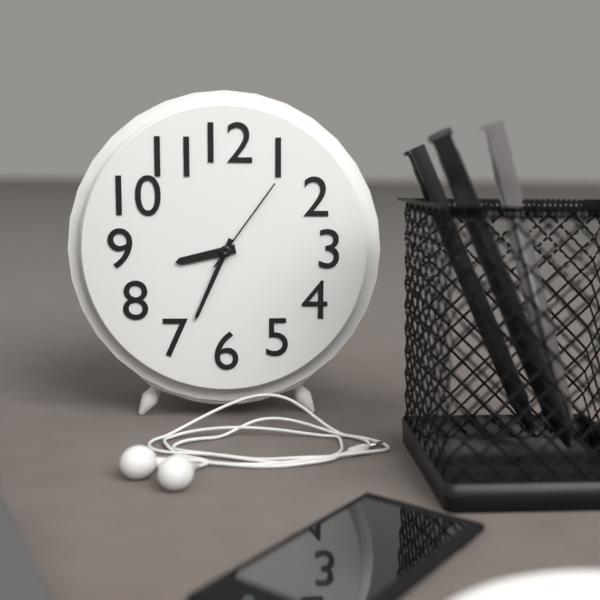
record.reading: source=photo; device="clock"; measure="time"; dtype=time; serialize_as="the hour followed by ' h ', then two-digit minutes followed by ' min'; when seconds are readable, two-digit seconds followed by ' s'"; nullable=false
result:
8 h 34 min 06 s
